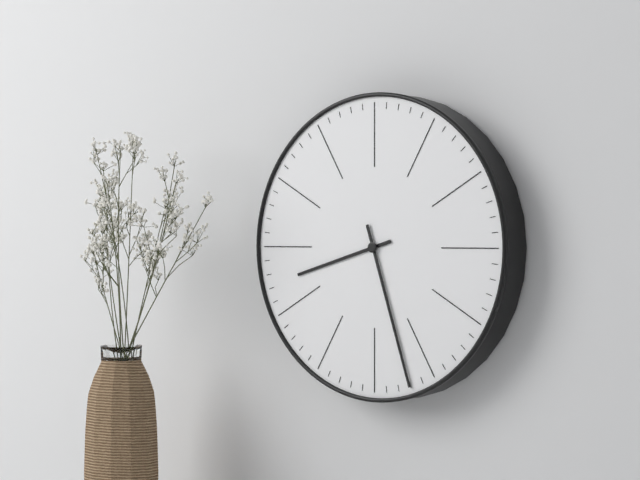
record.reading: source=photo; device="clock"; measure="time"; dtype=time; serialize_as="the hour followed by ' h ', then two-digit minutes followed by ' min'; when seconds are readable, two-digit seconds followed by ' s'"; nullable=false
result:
8 h 27 min
